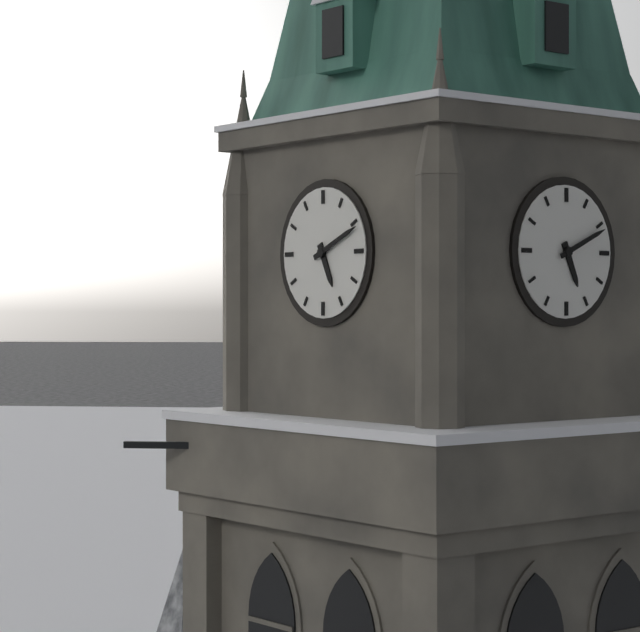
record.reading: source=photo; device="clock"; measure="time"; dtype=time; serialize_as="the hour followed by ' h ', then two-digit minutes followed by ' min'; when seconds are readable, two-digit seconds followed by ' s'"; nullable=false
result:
5 h 11 min
